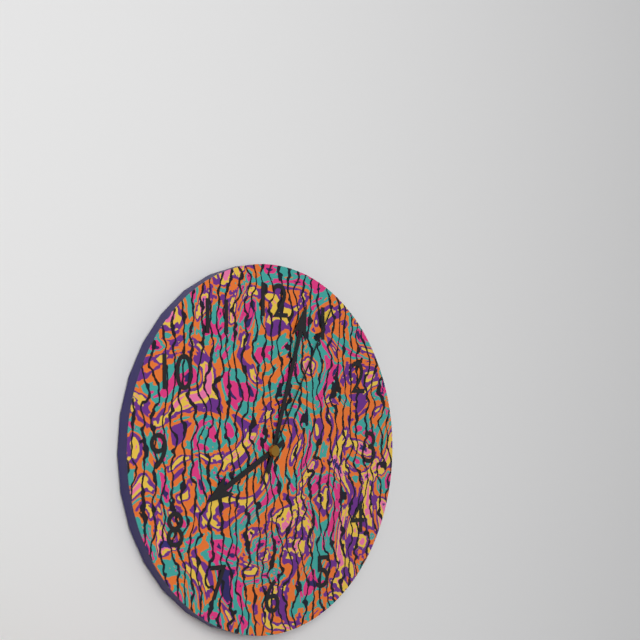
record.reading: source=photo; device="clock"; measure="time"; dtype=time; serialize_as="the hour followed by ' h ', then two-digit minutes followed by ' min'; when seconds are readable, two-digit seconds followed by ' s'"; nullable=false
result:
8 h 03 min 05 s
